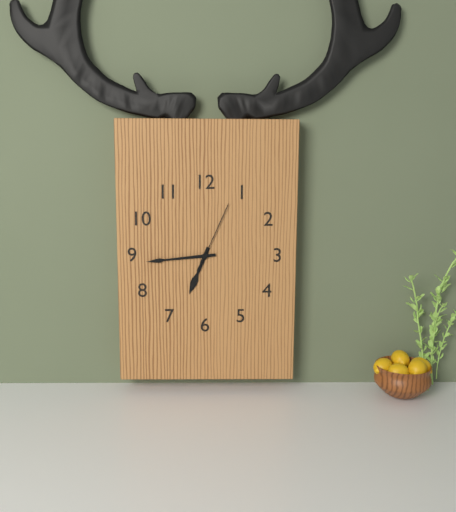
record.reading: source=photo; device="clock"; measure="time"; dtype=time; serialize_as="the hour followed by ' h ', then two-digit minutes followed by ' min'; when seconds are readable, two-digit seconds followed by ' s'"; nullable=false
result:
6 h 44 min 04 s
